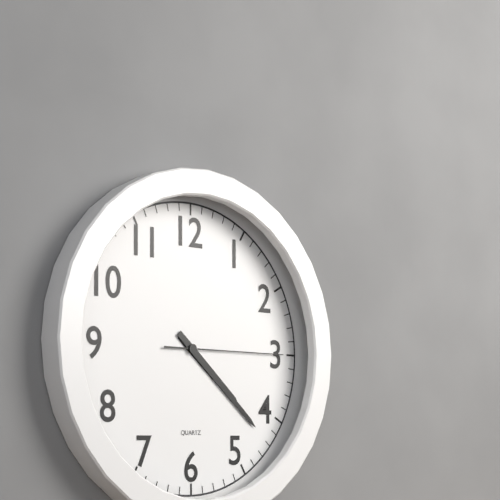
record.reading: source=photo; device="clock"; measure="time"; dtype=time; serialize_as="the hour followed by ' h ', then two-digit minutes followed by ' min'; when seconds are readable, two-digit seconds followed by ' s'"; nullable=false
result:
4 h 22 min 15 s
